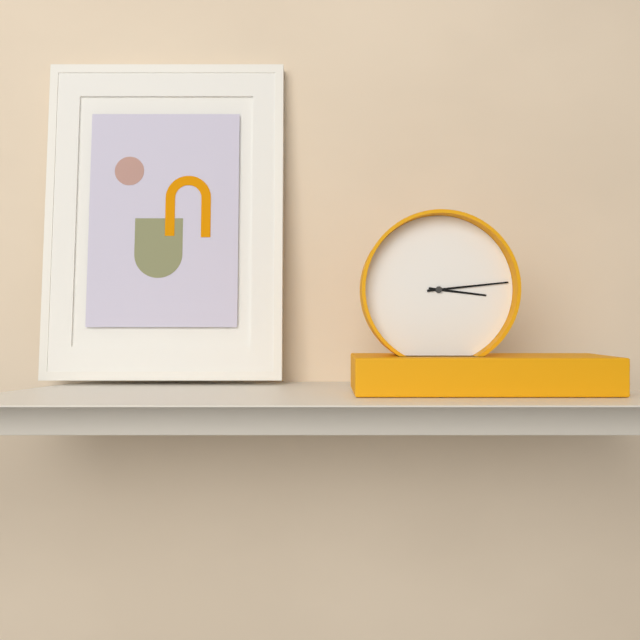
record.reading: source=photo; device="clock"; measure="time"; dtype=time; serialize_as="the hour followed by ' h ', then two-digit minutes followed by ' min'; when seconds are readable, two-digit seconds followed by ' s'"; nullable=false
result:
3 h 14 min
